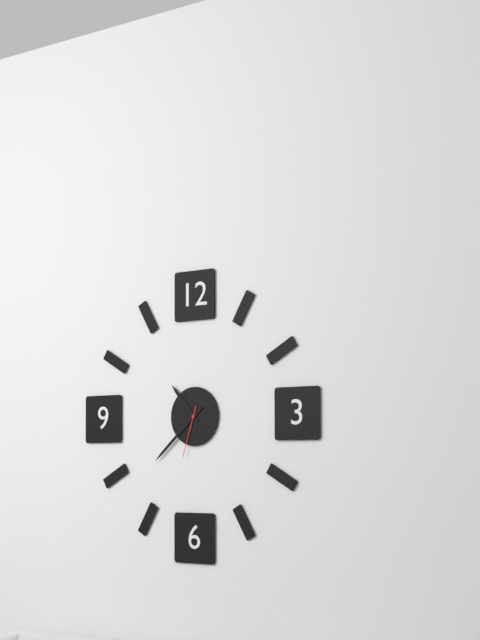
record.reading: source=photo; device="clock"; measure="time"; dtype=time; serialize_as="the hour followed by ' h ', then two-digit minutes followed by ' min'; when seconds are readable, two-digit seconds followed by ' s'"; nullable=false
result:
10 h 38 min 33 s
